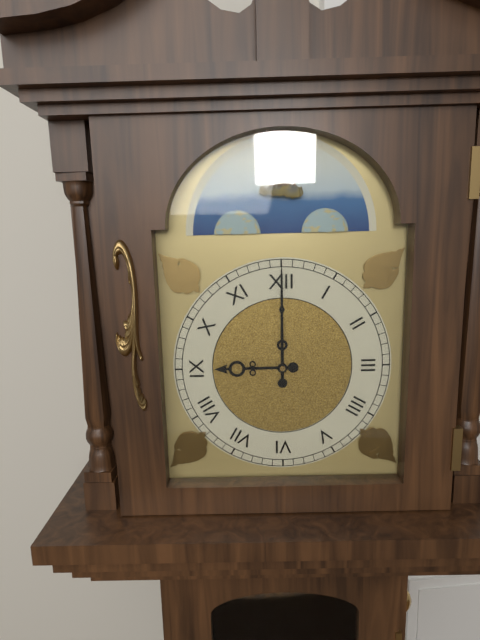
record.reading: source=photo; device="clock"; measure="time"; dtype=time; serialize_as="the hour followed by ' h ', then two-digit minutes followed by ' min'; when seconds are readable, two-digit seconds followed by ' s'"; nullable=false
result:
9 h 00 min
